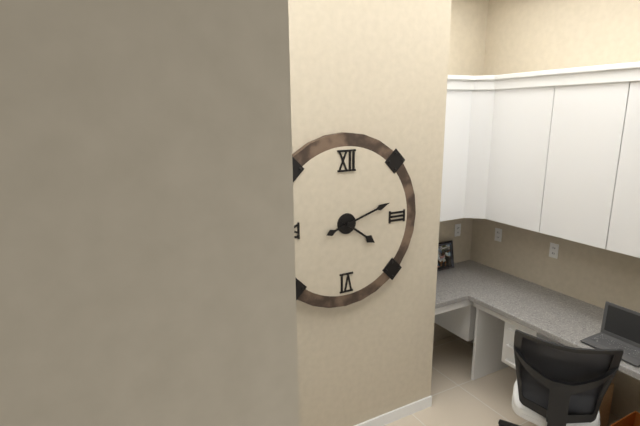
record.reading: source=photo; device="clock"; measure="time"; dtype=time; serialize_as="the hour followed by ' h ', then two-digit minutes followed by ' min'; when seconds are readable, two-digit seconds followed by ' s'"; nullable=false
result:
4 h 12 min
